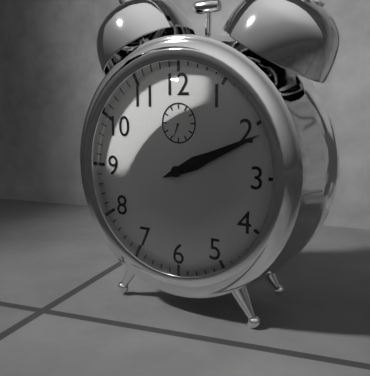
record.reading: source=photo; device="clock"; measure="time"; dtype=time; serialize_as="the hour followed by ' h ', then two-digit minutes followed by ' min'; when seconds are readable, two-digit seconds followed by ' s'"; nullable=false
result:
2 h 11 min
